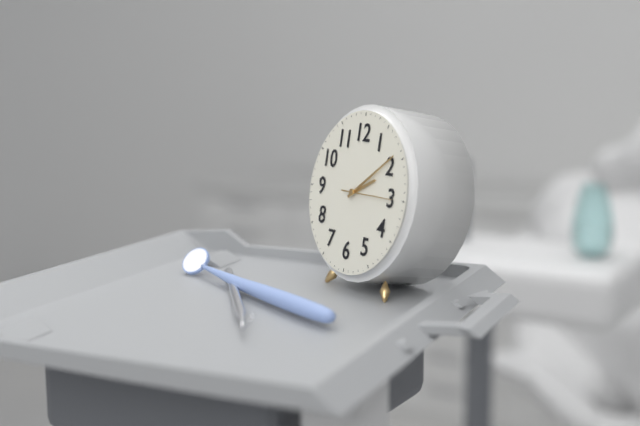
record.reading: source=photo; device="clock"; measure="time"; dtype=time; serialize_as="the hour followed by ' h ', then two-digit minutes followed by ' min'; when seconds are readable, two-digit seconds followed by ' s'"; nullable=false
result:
2 h 09 min
